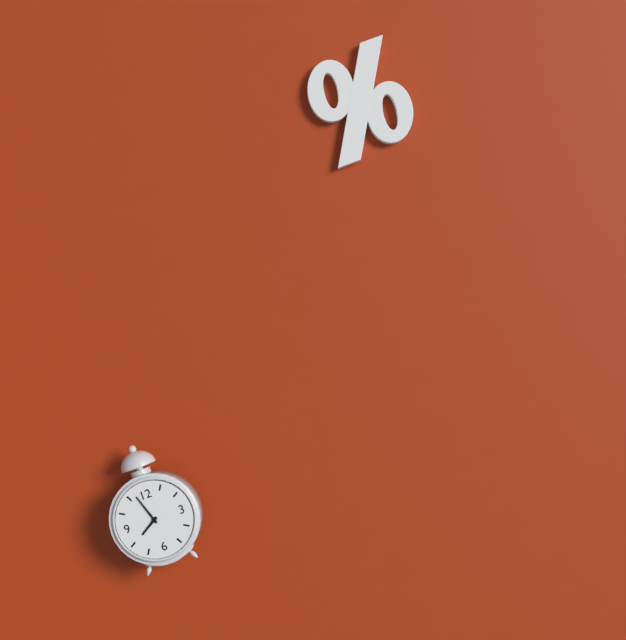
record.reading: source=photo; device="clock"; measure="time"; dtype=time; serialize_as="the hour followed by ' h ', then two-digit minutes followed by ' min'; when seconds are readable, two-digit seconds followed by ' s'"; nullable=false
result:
7 h 57 min
